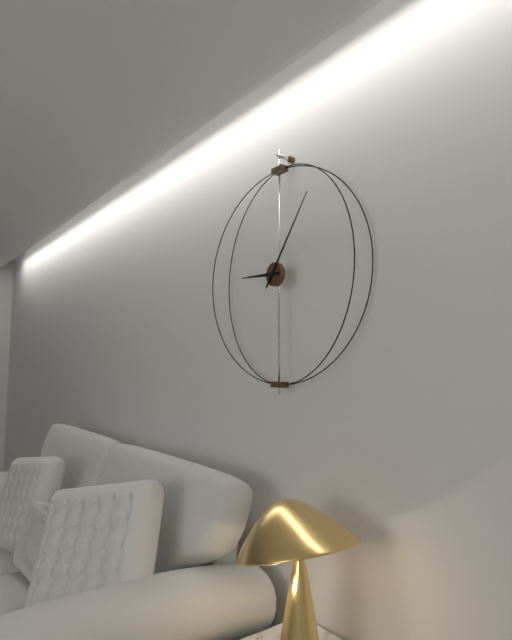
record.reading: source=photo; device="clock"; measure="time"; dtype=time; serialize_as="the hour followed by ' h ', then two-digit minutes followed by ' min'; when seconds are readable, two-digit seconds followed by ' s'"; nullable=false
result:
9 h 06 min
